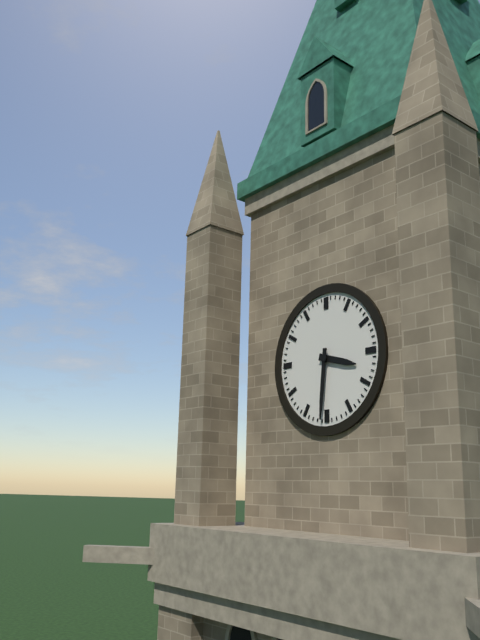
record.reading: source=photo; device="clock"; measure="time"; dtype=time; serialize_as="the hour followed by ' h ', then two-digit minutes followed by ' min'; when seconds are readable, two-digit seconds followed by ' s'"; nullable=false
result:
3 h 31 min
